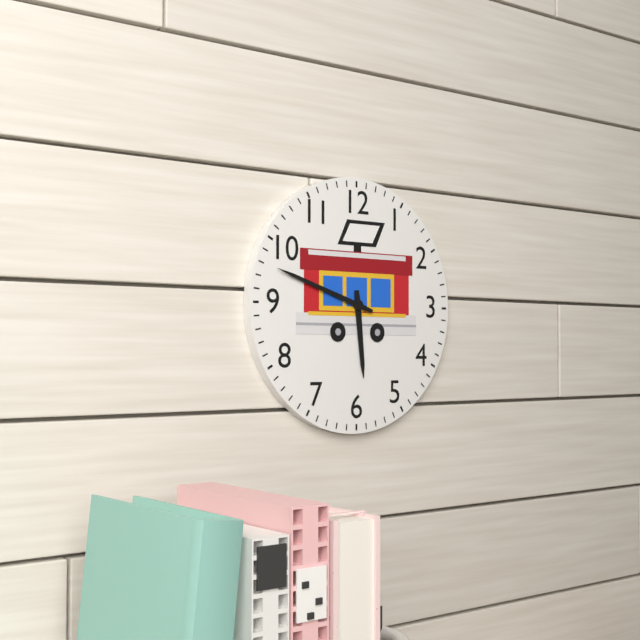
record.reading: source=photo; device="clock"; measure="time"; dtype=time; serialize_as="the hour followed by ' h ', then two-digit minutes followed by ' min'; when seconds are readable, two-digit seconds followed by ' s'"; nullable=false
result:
5 h 48 min
